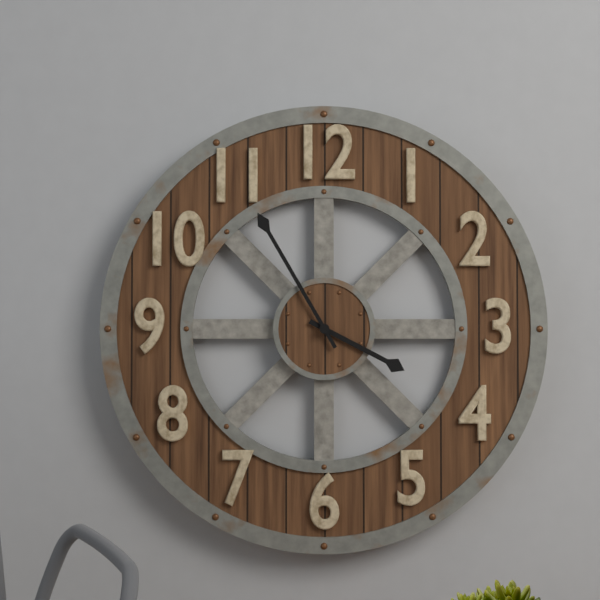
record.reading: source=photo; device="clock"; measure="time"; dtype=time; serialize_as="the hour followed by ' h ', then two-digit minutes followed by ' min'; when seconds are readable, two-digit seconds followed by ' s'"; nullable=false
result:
3 h 55 min
